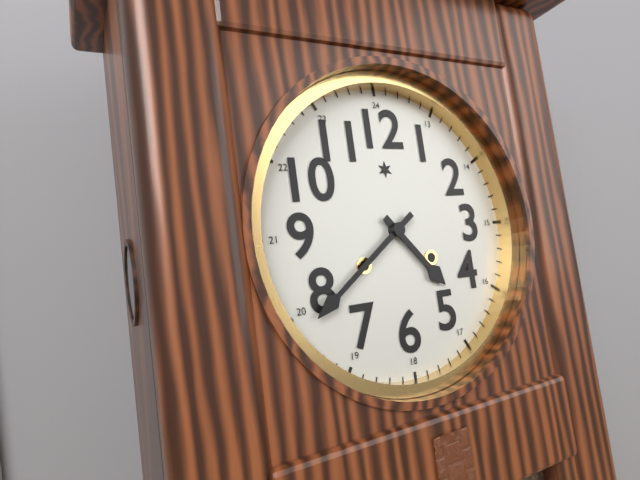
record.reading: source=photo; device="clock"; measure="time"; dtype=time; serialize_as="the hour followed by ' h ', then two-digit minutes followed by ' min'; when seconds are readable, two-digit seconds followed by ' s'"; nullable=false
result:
4 h 39 min
